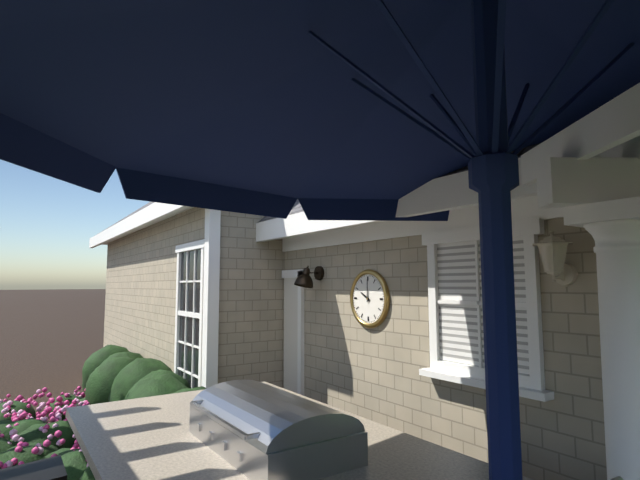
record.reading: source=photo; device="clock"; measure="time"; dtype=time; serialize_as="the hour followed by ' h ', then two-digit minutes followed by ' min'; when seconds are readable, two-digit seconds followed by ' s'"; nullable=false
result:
10 h 00 min
